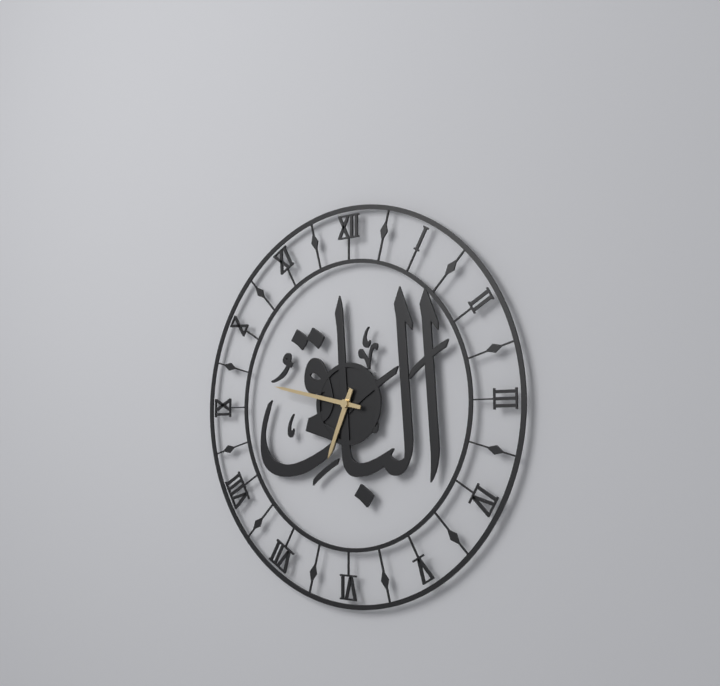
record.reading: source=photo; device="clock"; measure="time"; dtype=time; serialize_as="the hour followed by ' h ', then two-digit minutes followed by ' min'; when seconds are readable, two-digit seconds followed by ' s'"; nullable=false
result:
6 h 47 min
